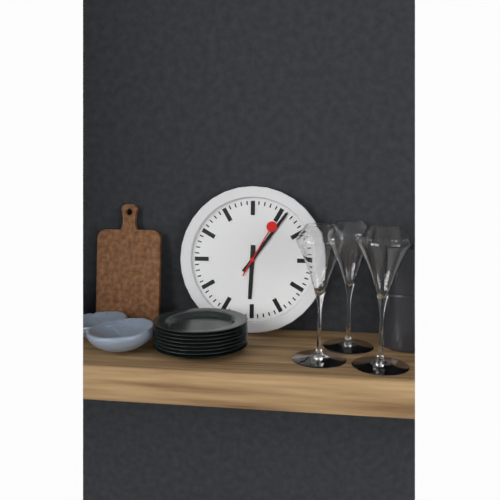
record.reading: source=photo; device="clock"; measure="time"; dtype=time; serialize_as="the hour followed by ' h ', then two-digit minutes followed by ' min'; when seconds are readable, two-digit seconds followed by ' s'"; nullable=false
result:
6 h 06 min 05 s
